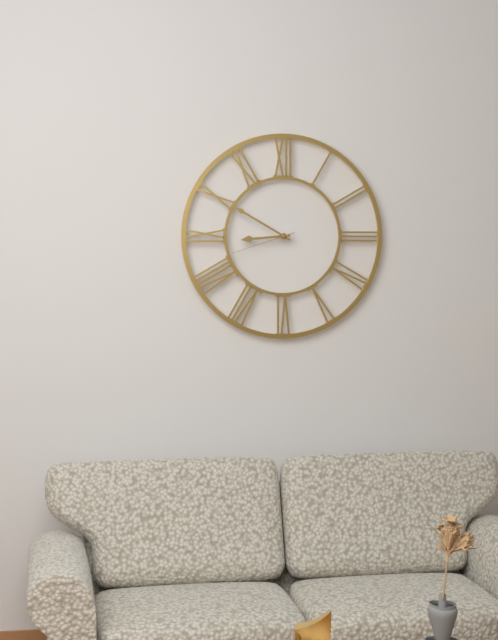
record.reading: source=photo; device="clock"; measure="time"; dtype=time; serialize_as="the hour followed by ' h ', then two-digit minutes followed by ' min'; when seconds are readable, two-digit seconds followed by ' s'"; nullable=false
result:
8 h 50 min 42 s
